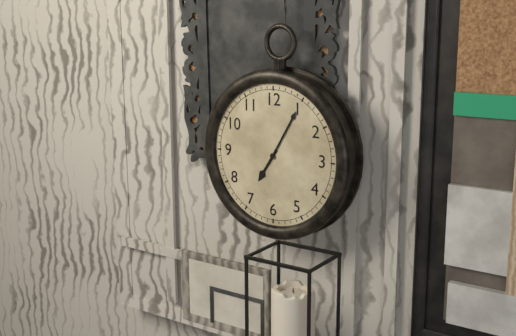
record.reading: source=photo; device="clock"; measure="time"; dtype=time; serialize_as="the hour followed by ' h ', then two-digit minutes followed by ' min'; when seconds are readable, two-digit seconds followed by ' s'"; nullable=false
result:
7 h 05 min
